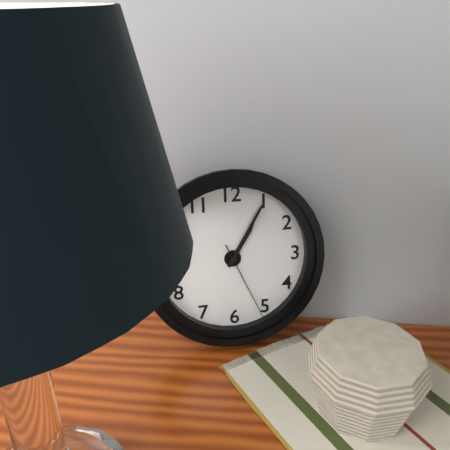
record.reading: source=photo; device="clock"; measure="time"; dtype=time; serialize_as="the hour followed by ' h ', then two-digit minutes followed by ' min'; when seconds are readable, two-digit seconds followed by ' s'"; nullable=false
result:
1 h 05 min 26 s
